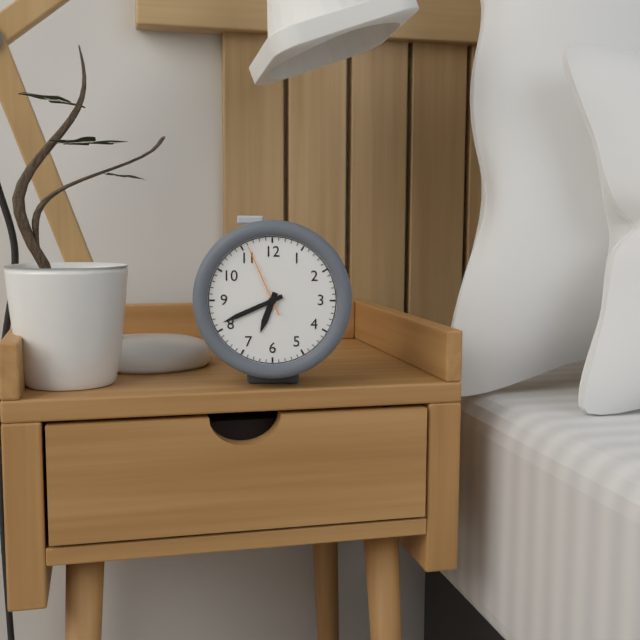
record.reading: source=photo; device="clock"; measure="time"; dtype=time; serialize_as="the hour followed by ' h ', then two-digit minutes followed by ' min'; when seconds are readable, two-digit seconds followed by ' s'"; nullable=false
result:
6 h 41 min 56 s
